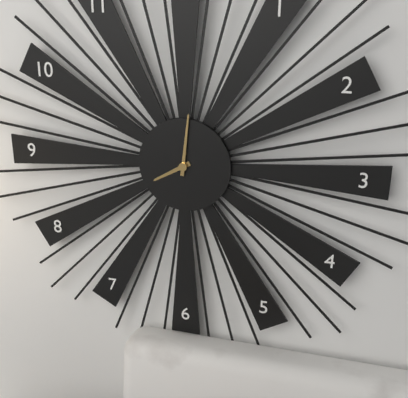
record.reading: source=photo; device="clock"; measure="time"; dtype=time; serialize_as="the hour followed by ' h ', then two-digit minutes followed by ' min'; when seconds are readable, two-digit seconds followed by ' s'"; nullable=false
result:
8 h 01 min
